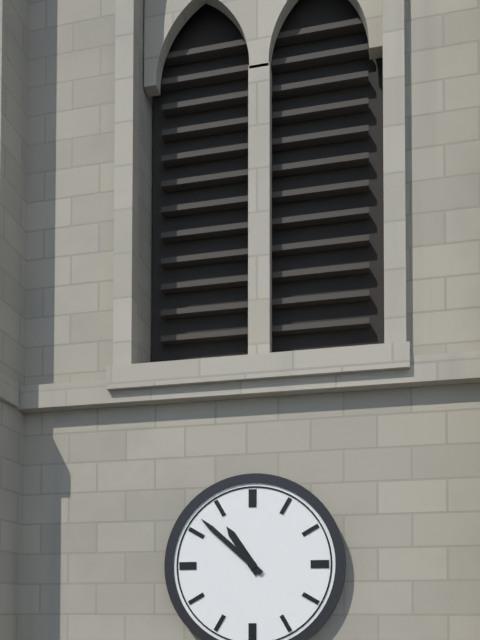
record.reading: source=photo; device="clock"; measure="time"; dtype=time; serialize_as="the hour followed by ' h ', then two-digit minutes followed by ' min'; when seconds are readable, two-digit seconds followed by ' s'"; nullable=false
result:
10 h 52 min
